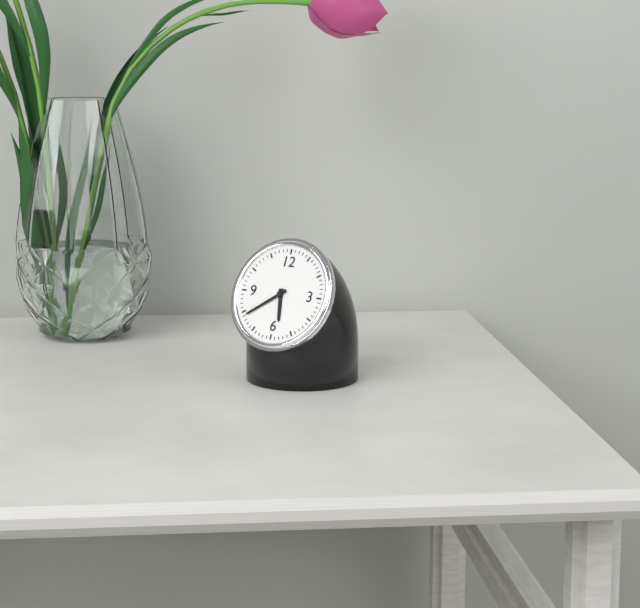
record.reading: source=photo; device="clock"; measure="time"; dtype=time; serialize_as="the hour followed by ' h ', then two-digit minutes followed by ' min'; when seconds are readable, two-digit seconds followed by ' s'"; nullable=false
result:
5 h 39 min
